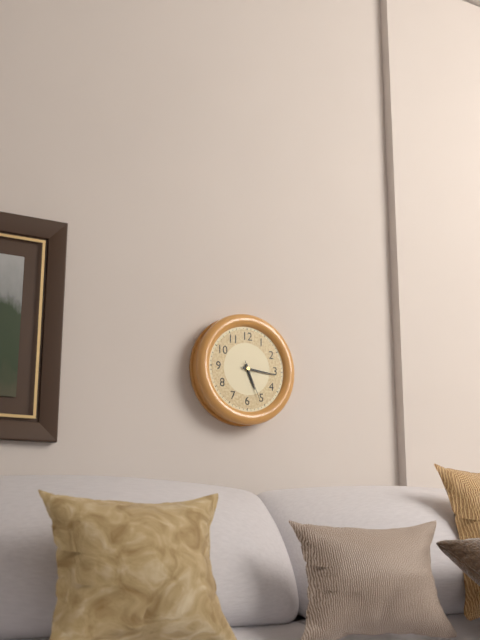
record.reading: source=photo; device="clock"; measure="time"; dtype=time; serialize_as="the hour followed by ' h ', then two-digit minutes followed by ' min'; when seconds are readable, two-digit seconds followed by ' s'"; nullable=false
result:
5 h 16 min
